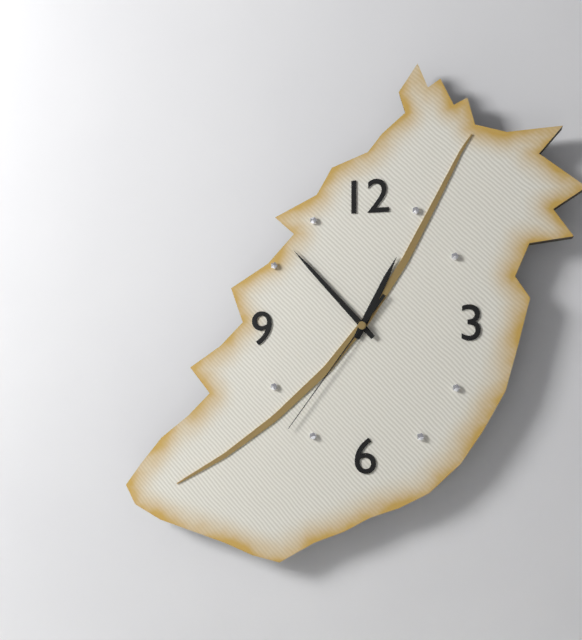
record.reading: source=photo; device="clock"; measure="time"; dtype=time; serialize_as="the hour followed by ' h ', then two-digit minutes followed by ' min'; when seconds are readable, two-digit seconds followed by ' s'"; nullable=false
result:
12 h 53 min 36 s
